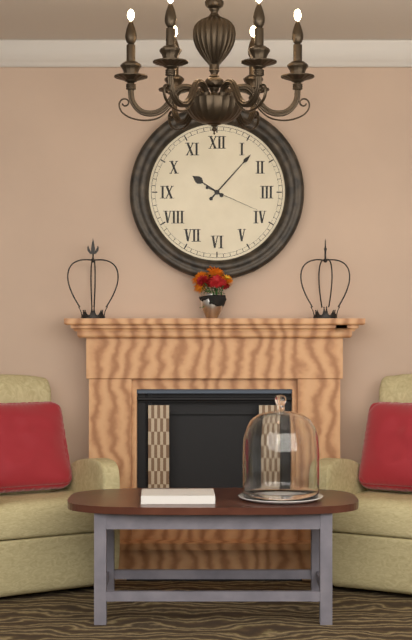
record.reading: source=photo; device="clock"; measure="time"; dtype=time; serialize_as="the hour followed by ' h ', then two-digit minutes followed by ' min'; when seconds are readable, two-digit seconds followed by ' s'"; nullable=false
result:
10 h 07 min 19 s
